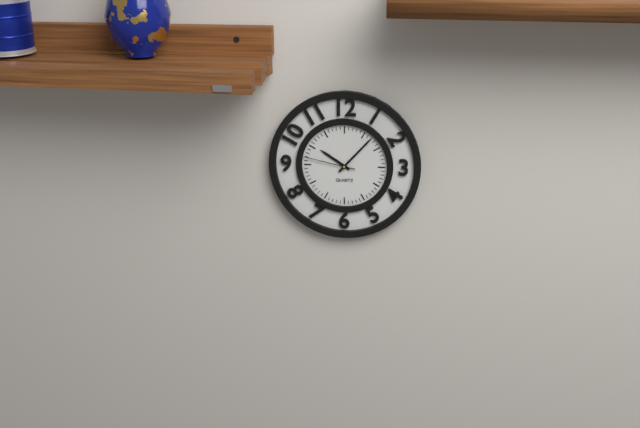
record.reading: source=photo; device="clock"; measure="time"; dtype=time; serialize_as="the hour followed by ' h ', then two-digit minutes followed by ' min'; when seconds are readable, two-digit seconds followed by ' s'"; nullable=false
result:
10 h 07 min 47 s
